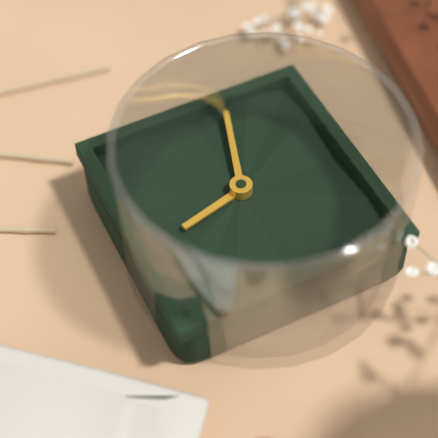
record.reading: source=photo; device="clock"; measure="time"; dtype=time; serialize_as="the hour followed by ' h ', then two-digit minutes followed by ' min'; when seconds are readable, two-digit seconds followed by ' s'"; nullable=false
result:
2 h 33 min
